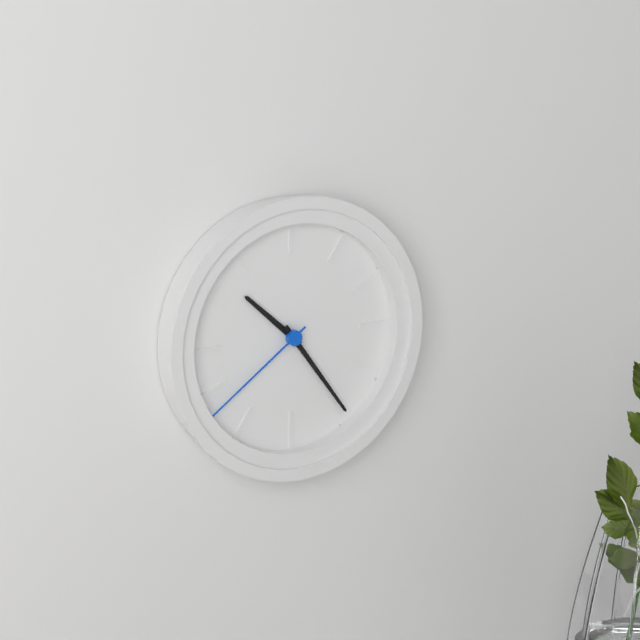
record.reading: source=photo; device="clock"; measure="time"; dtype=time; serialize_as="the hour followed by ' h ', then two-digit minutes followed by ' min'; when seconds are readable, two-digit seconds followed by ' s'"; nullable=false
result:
10 h 24 min 39 s
